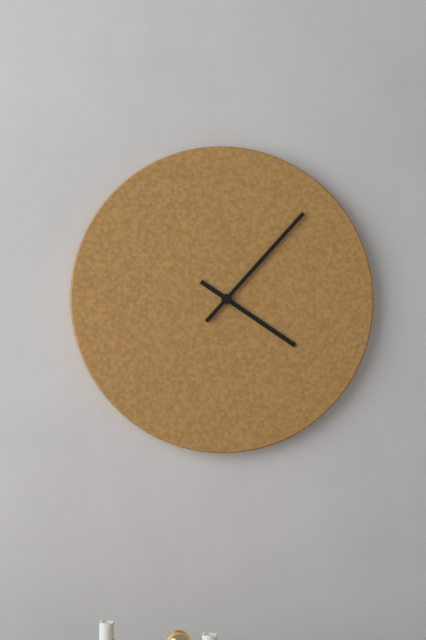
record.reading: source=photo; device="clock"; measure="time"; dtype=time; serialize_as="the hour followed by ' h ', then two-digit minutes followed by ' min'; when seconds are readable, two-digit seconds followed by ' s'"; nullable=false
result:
4 h 07 min
